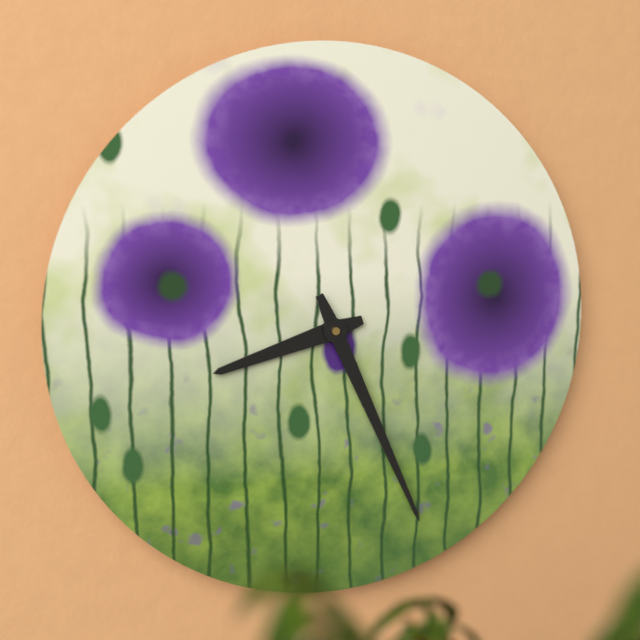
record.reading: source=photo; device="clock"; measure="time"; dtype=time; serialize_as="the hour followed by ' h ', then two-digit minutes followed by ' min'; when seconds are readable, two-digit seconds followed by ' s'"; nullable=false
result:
8 h 26 min
